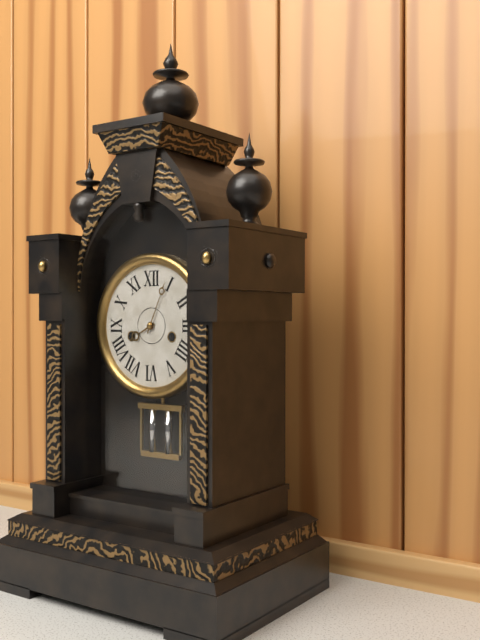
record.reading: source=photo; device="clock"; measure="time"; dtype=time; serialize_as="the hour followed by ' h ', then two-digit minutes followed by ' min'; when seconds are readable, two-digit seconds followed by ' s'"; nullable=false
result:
8 h 04 min
